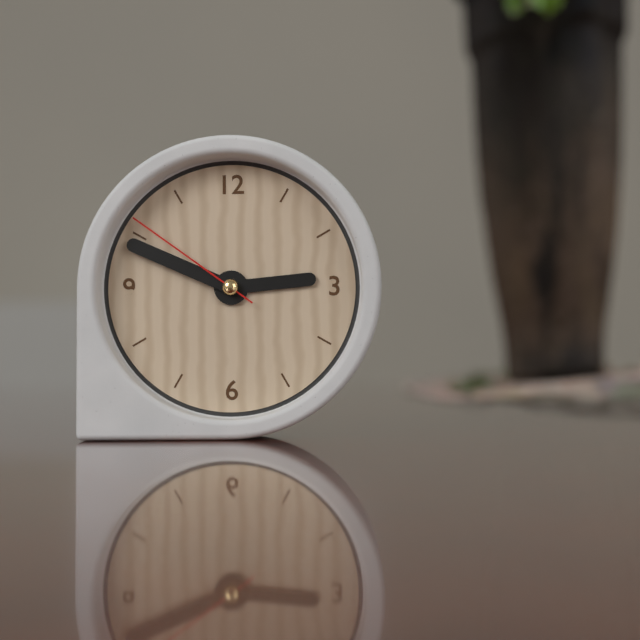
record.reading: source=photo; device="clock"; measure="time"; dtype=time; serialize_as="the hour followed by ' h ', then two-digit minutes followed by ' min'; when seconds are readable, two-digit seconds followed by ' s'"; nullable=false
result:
2 h 49 min 51 s
